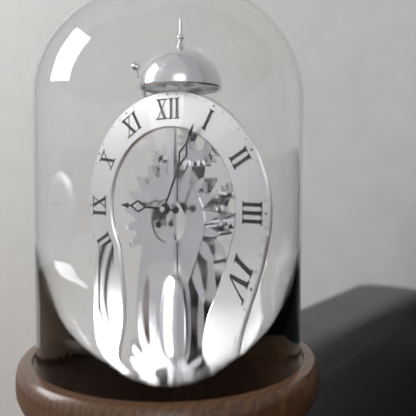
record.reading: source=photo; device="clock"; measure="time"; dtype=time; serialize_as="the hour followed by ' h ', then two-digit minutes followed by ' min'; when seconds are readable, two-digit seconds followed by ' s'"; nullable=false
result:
9 h 04 min
